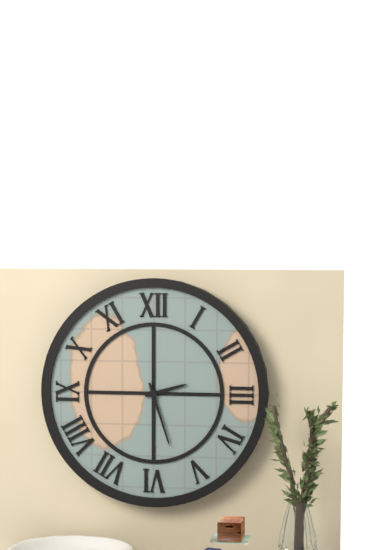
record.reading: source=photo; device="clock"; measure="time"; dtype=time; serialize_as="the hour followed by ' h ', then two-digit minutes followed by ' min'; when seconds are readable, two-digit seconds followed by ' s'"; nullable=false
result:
2 h 27 min
